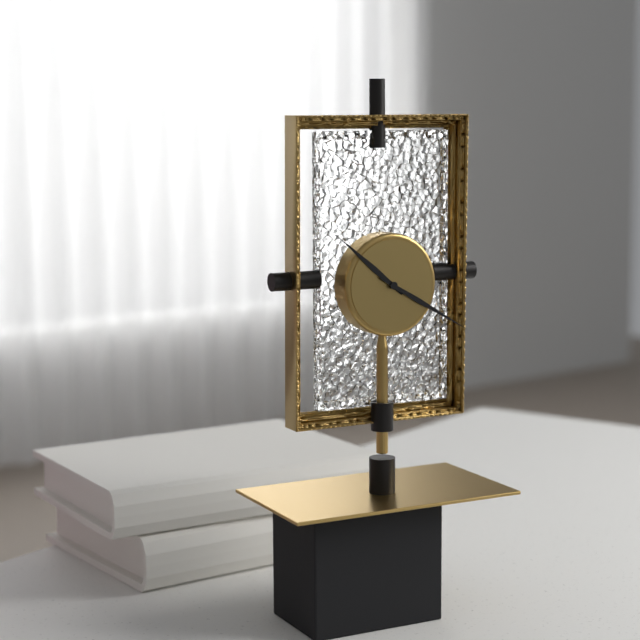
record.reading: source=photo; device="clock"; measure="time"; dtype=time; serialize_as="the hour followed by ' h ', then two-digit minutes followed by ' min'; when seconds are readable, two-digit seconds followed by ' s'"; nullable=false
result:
10 h 20 min
